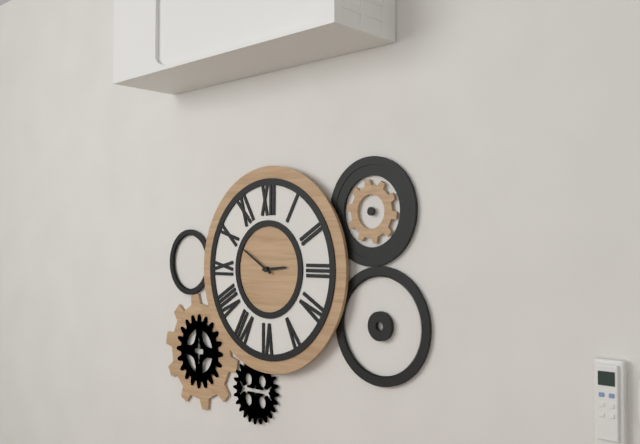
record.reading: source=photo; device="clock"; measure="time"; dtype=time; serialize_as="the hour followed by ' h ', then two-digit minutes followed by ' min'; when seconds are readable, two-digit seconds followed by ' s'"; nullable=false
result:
2 h 50 min
